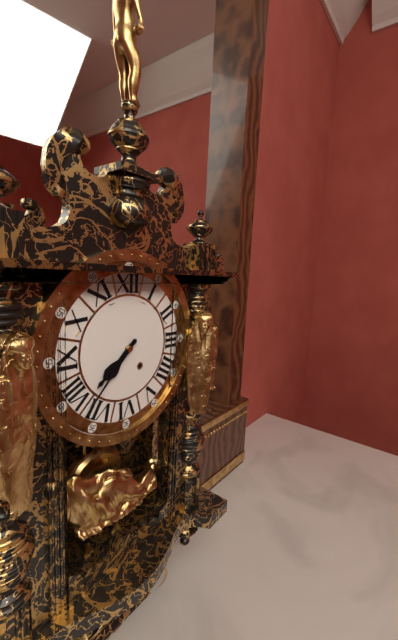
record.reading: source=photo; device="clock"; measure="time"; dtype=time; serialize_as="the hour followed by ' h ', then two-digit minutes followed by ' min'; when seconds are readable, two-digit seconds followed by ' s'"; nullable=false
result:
7 h 37 min
